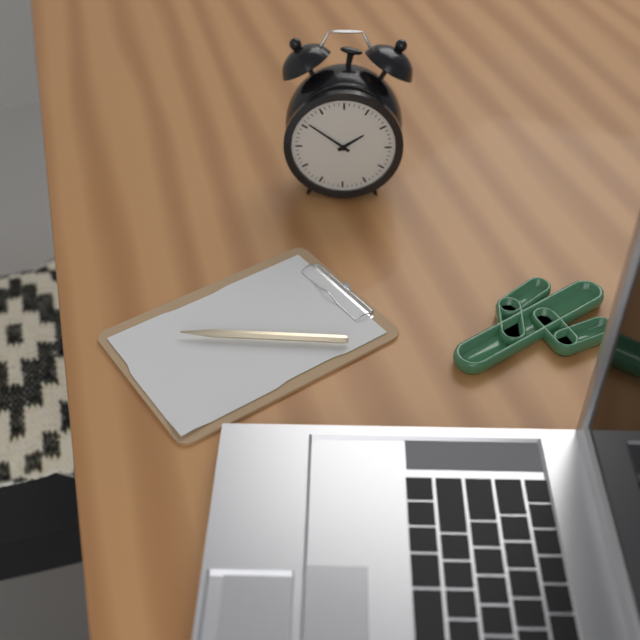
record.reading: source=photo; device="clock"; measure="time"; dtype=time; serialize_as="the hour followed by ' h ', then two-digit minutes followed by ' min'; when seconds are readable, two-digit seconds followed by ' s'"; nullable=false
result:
1 h 51 min
